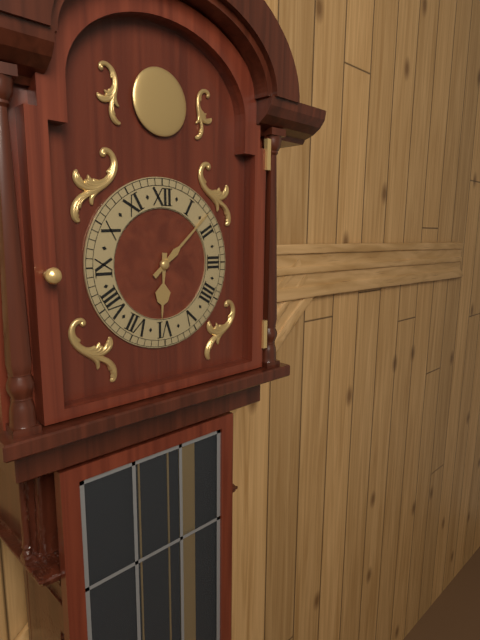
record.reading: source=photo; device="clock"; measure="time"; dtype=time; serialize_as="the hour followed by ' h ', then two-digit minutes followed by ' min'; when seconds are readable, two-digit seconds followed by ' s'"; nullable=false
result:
6 h 08 min
